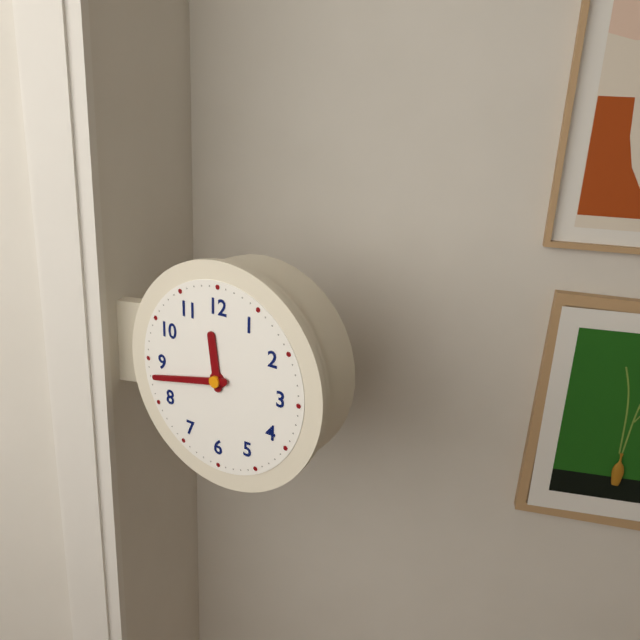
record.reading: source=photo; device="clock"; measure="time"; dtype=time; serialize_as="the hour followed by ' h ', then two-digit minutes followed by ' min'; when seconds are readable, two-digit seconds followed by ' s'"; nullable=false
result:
11 h 43 min
